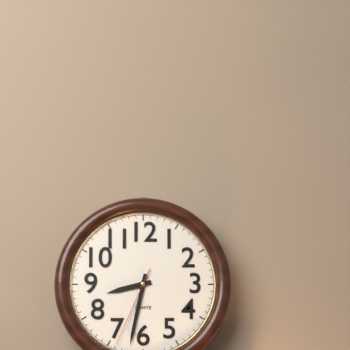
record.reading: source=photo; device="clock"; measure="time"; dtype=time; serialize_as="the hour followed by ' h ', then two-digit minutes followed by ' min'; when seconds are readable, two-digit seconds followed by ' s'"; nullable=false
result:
8 h 32 min 34 s
